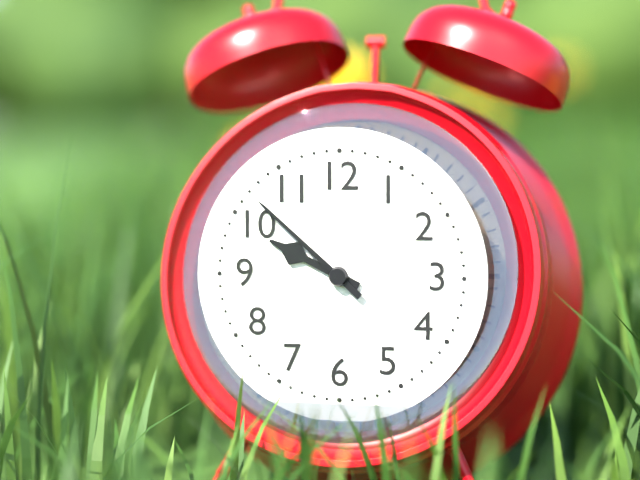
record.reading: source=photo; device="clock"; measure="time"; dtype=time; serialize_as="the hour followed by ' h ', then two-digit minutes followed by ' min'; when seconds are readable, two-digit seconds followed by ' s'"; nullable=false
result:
9 h 52 min
